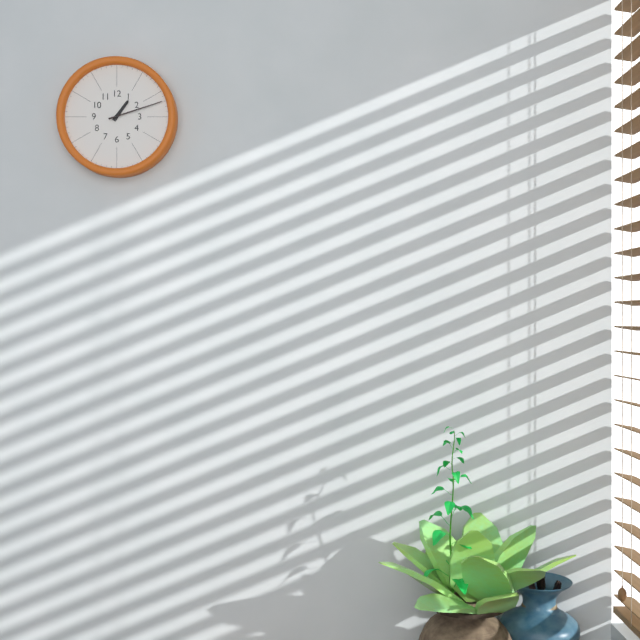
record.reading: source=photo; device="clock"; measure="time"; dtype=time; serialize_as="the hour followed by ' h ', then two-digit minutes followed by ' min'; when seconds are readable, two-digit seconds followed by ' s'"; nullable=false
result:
1 h 12 min
